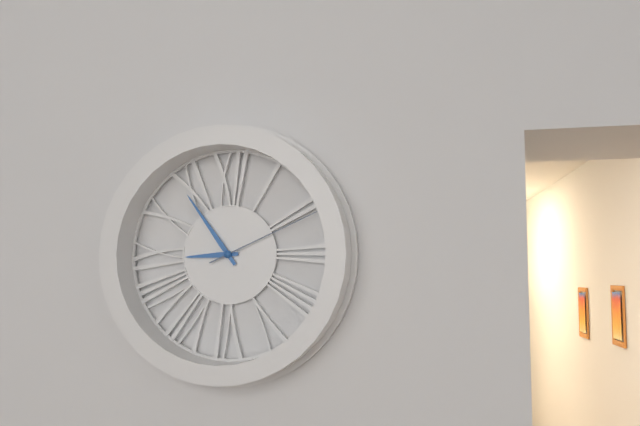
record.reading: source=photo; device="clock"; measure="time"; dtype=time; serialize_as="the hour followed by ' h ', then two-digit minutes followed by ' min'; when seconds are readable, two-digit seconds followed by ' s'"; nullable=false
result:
8 h 54 min 11 s
